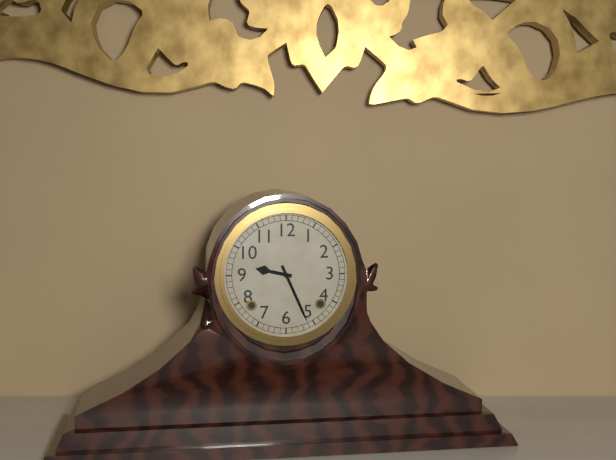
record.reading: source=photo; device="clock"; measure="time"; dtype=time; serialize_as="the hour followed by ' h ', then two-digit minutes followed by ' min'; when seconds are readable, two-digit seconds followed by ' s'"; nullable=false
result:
9 h 26 min
